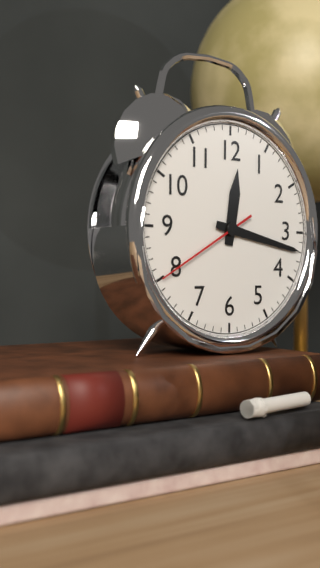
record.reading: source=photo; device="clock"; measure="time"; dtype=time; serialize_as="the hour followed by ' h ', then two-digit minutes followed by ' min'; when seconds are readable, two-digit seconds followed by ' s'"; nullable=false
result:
12 h 17 min 40 s
